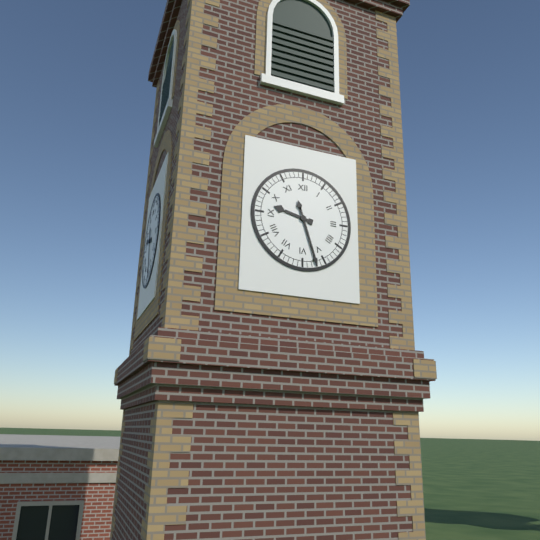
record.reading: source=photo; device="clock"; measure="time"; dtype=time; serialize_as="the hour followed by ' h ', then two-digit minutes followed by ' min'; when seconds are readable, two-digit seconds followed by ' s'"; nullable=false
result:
9 h 27 min
